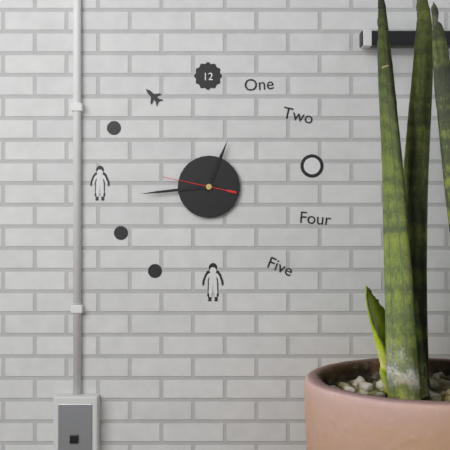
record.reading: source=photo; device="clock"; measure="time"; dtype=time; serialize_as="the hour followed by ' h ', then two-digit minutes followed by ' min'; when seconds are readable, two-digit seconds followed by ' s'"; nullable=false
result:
12 h 44 min 47 s
